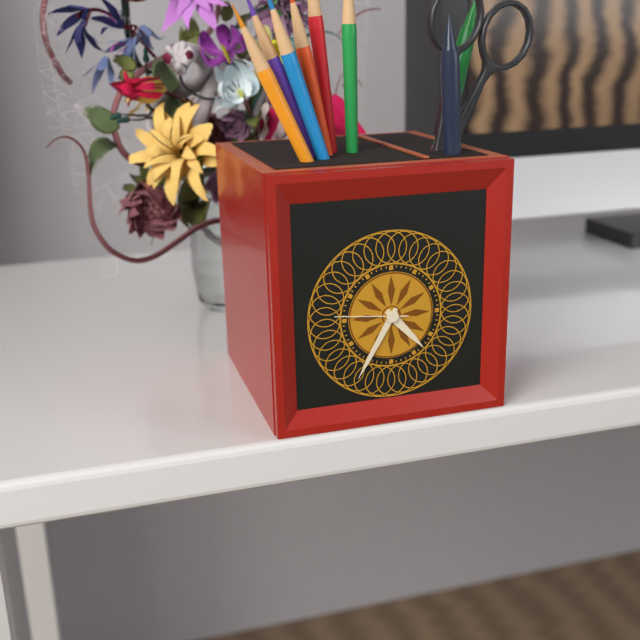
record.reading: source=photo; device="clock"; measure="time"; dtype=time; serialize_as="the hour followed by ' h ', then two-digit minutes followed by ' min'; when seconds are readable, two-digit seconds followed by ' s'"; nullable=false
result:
4 h 35 min 46 s
